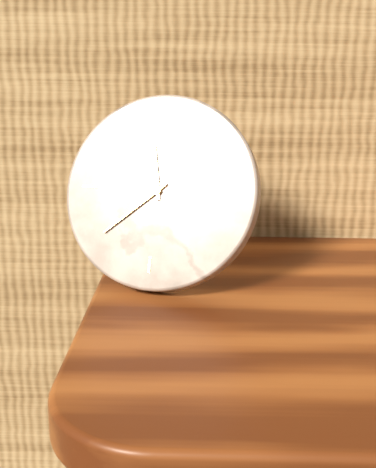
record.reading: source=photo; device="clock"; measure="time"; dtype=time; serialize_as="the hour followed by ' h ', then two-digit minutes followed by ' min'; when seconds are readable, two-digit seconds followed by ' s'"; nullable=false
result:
11 h 38 min
